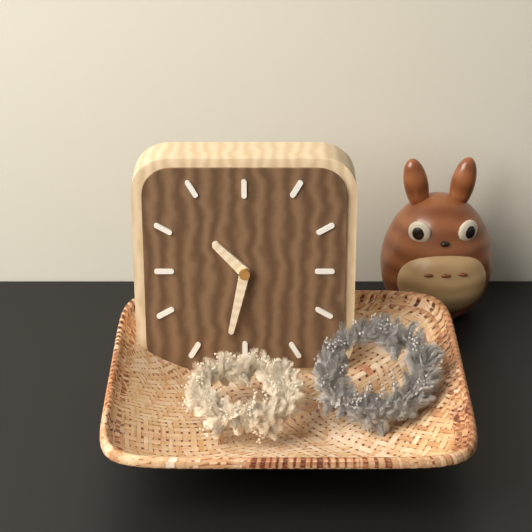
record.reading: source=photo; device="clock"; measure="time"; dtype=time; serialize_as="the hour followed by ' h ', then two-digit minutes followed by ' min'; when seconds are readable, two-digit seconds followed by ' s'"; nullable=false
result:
10 h 32 min
